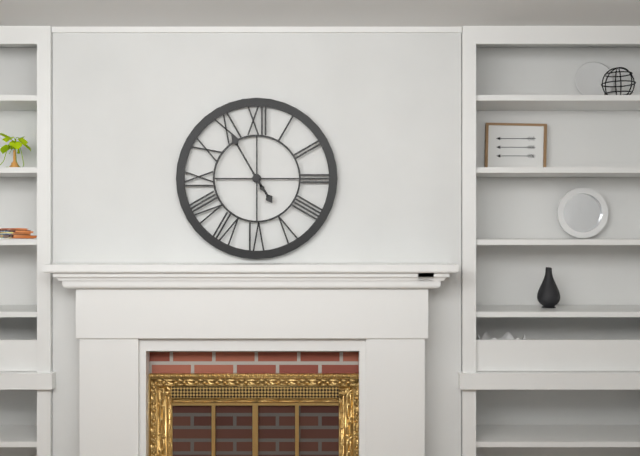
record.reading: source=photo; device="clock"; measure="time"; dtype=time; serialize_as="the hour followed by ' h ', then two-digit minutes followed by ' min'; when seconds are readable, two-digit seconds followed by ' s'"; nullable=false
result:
4 h 55 min
